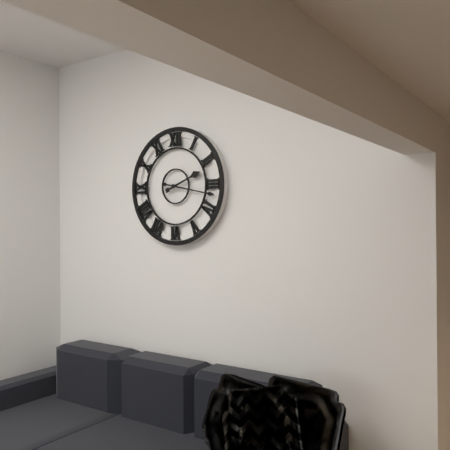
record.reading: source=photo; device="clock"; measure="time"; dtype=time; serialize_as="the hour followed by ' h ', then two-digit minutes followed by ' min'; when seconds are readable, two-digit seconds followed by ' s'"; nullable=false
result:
2 h 17 min
